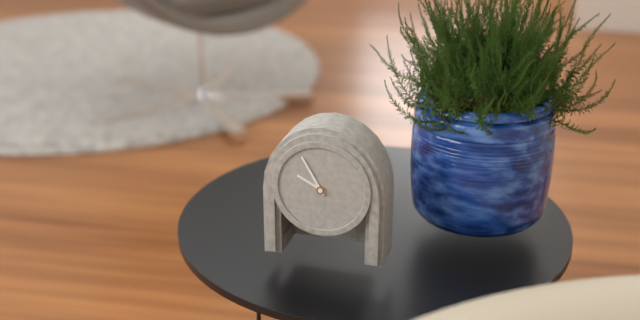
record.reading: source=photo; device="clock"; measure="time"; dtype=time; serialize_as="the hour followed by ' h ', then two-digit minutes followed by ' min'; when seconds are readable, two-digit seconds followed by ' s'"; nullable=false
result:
9 h 55 min
